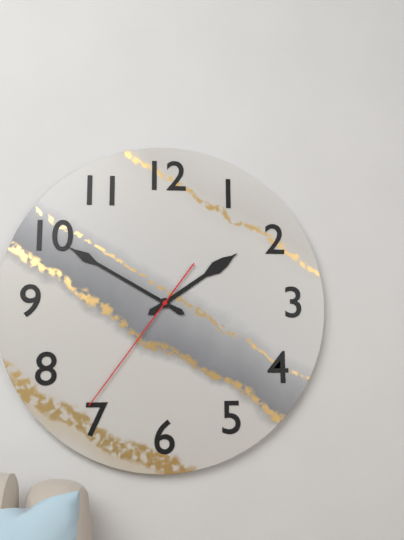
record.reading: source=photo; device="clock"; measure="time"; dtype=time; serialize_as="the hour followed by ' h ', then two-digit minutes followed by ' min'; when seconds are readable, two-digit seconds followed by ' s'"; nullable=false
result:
1 h 50 min 36 s
